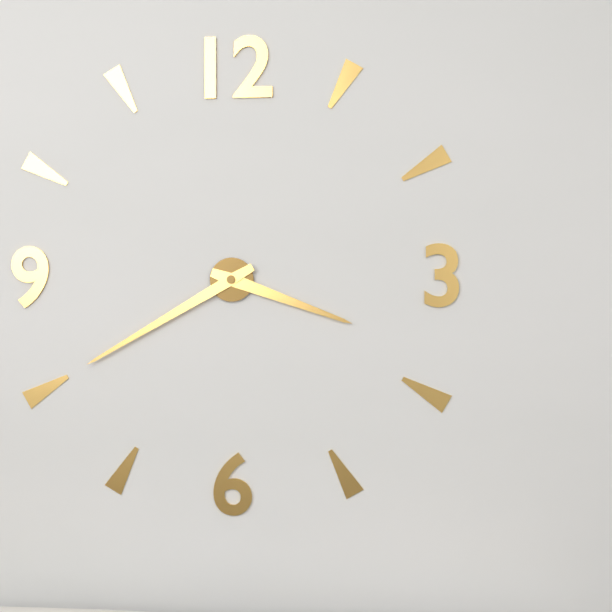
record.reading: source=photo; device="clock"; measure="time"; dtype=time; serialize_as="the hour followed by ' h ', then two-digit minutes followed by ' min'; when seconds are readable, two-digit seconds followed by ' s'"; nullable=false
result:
3 h 40 min
